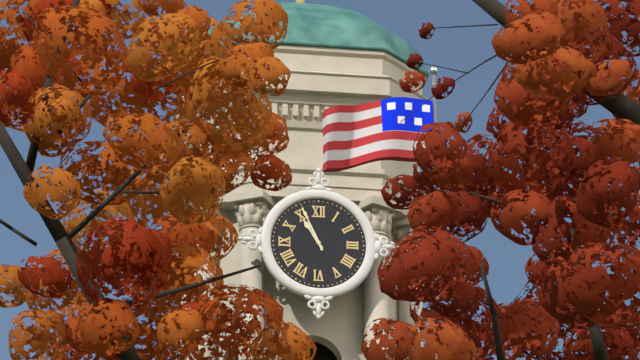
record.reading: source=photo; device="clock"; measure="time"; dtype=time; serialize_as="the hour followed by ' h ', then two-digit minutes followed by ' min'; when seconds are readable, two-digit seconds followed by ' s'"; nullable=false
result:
10 h 56 min
